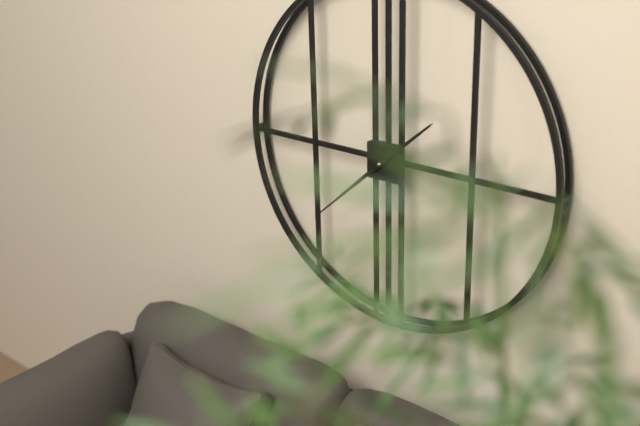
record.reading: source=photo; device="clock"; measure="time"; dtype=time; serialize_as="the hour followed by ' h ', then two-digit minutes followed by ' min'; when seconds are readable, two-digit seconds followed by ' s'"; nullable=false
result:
1 h 38 min
